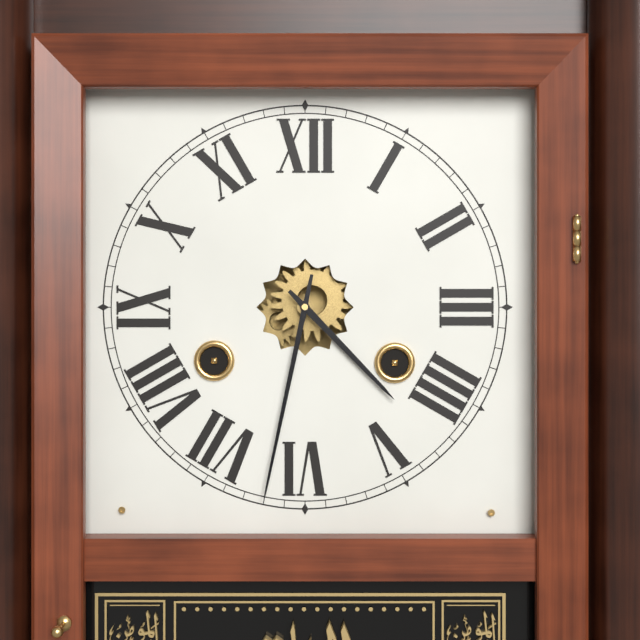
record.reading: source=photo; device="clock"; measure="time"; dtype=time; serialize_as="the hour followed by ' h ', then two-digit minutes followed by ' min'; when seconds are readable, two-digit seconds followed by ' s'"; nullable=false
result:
4 h 32 min
